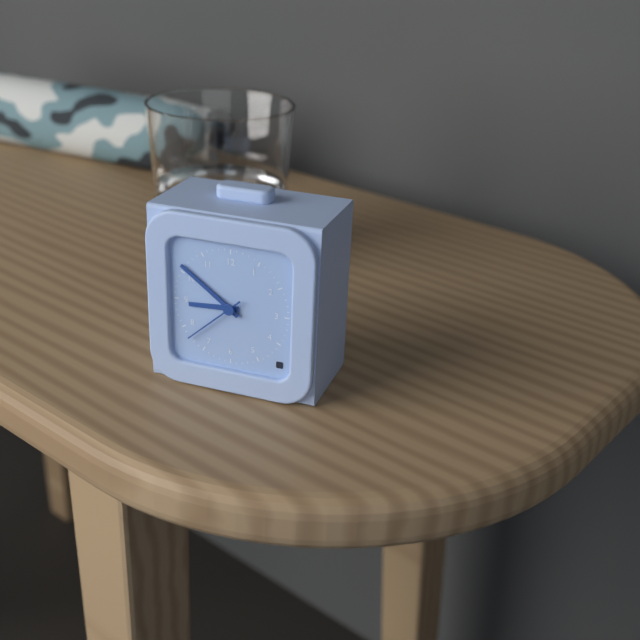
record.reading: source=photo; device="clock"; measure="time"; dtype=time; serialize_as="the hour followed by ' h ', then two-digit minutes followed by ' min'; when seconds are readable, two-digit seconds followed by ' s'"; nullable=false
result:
8 h 51 min 38 s
